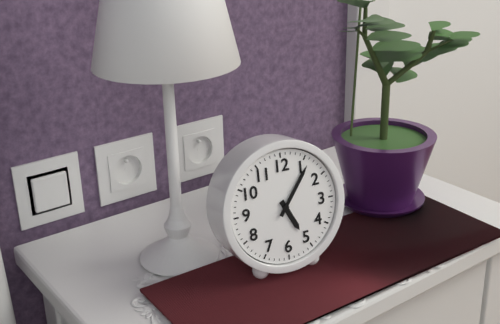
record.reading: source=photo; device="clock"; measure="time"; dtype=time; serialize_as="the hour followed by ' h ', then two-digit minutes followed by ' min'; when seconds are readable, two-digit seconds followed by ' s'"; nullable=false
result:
5 h 06 min
